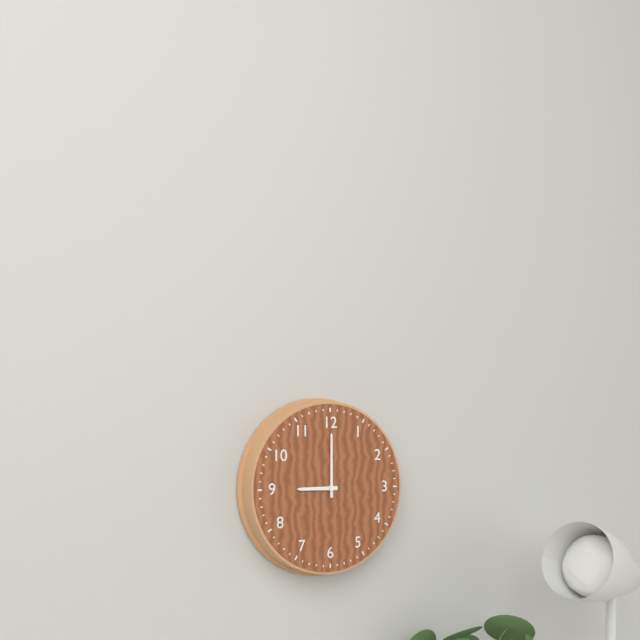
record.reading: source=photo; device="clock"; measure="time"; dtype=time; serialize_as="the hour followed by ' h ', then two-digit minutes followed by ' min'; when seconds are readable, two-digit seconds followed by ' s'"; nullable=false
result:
9 h 00 min
